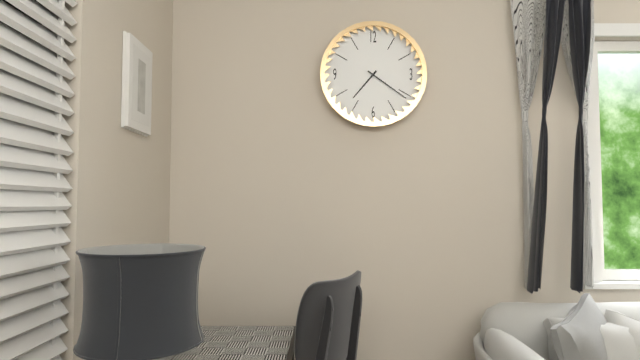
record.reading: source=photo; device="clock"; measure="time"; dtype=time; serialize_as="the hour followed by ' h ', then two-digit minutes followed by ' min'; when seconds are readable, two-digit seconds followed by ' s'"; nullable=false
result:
7 h 21 min
